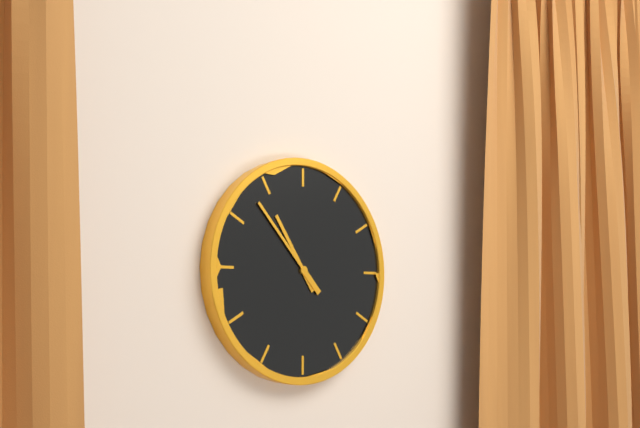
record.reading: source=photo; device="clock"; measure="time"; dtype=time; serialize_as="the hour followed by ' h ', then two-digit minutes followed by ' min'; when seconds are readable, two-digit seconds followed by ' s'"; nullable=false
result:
10 h 53 min
